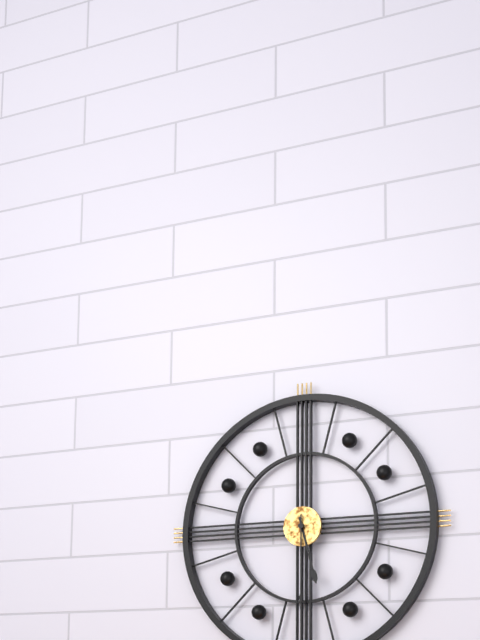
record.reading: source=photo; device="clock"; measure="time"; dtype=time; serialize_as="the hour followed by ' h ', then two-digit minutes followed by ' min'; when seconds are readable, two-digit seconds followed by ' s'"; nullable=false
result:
5 h 30 min
